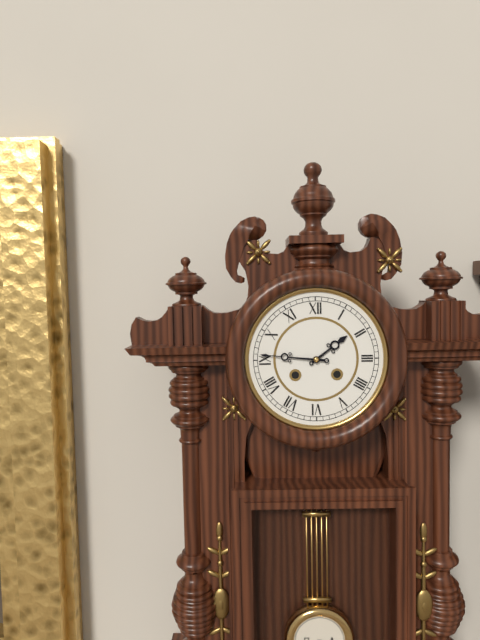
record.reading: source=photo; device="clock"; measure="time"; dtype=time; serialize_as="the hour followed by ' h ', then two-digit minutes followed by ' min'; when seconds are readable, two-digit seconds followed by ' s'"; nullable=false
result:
1 h 46 min
